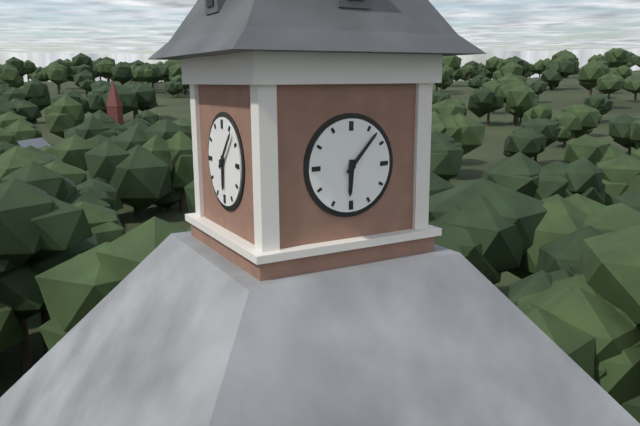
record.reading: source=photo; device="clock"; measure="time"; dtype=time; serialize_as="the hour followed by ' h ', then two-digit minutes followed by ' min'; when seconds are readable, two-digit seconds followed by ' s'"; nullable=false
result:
6 h 07 min
